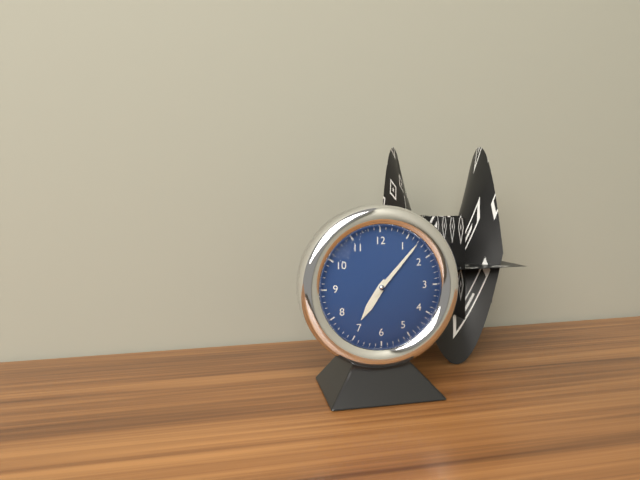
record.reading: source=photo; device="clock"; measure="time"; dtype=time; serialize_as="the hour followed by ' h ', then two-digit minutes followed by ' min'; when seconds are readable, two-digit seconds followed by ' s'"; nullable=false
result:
7 h 07 min
